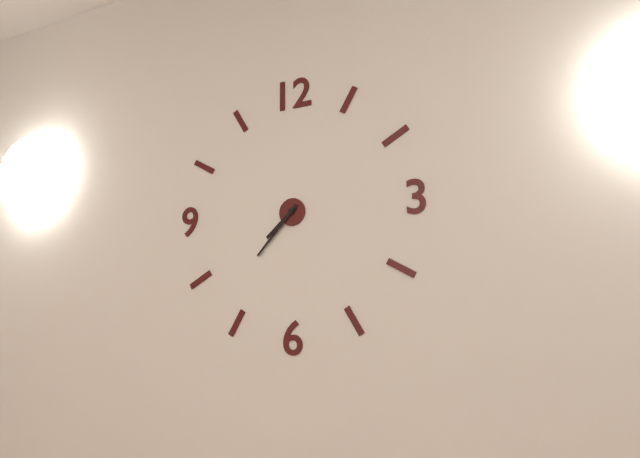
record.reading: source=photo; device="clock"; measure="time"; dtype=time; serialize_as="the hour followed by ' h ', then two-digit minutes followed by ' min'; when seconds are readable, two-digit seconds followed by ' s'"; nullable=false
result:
7 h 37 min
